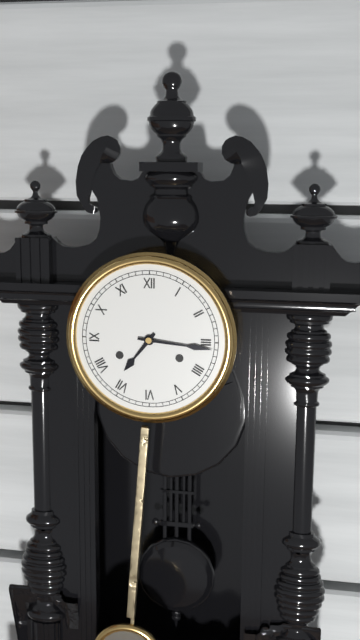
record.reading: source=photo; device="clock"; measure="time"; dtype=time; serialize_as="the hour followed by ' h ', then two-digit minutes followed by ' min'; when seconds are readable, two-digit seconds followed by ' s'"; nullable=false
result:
7 h 16 min
